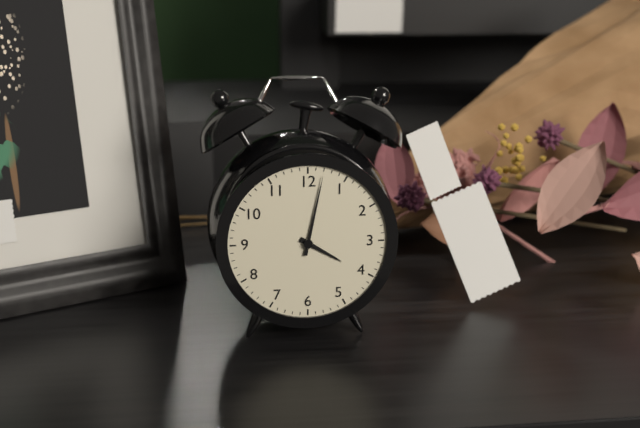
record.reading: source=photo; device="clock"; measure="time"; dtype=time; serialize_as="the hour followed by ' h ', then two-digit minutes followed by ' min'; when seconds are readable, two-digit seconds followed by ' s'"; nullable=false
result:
4 h 02 min
